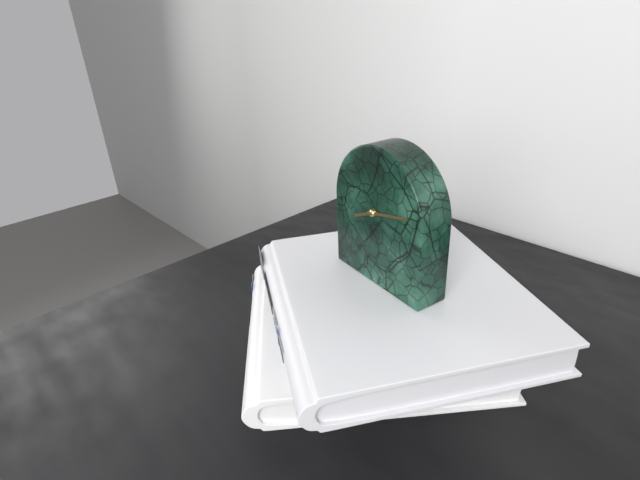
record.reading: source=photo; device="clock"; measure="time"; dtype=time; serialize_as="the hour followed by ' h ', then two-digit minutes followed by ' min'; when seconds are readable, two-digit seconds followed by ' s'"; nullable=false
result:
8 h 13 min
